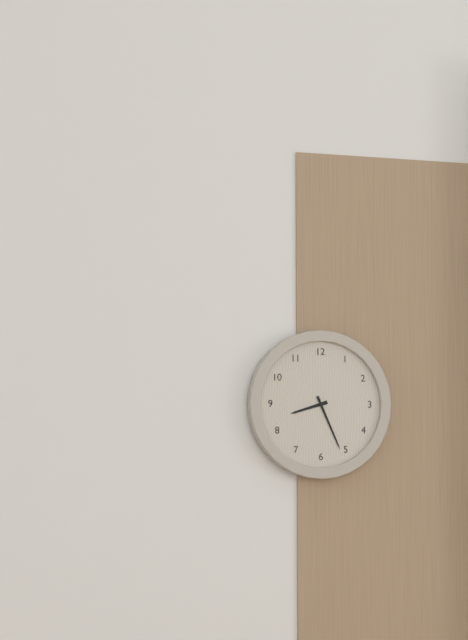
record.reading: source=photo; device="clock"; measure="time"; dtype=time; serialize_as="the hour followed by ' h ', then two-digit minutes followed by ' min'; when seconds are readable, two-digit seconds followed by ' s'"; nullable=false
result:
8 h 26 min
